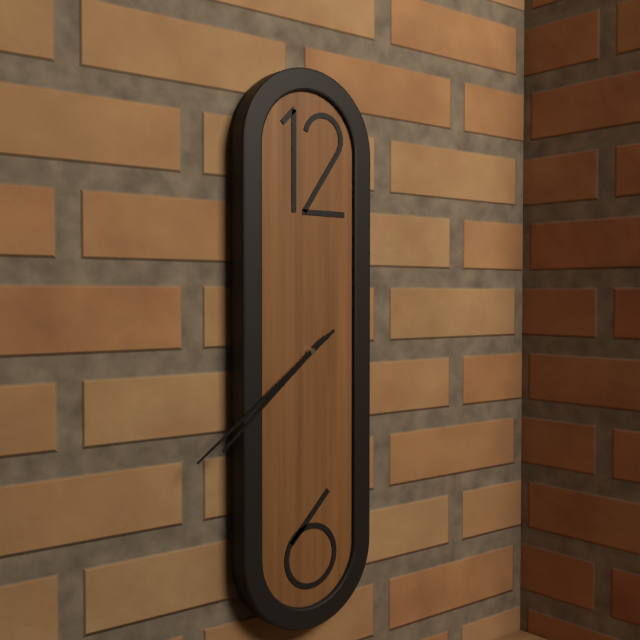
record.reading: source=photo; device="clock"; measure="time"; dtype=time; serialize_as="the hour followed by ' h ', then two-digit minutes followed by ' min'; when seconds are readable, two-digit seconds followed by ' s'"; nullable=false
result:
7 h 39 min
